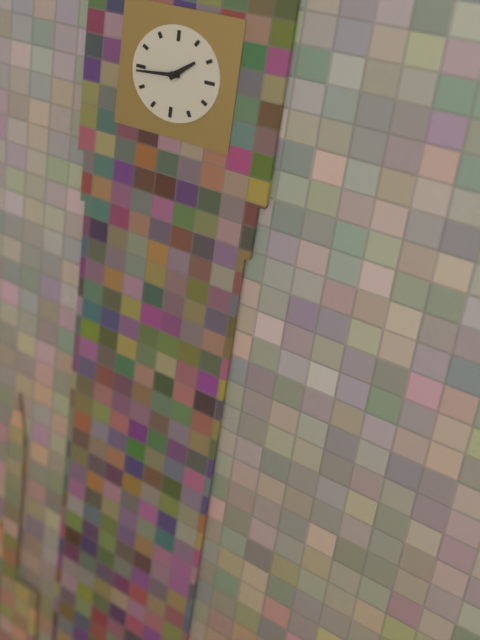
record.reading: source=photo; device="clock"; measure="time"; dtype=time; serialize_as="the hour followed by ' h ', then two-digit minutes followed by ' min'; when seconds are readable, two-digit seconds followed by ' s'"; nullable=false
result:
1 h 44 min
